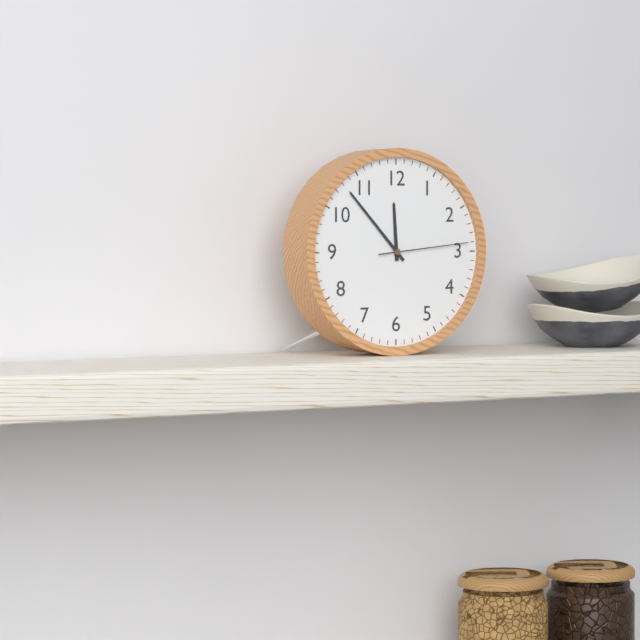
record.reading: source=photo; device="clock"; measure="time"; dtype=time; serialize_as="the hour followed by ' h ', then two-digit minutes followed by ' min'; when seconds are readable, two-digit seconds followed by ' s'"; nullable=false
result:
11 h 53 min 14 s
